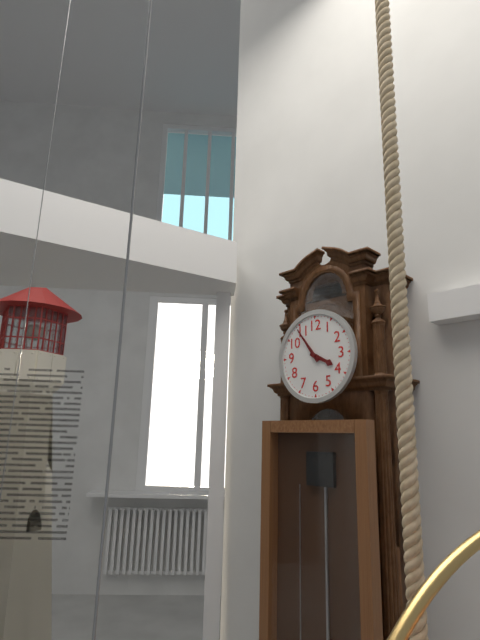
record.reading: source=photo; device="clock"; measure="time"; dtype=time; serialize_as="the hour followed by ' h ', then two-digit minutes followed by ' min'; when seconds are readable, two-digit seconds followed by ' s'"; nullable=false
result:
3 h 54 min
